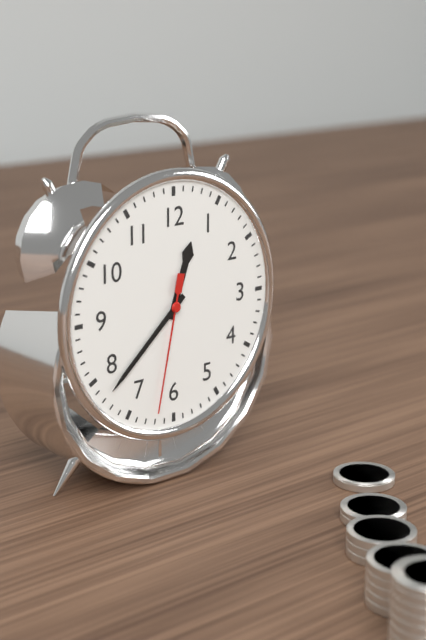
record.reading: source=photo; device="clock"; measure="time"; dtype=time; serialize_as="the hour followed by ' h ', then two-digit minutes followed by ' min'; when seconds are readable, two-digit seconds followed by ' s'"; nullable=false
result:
12 h 38 min 32 s
